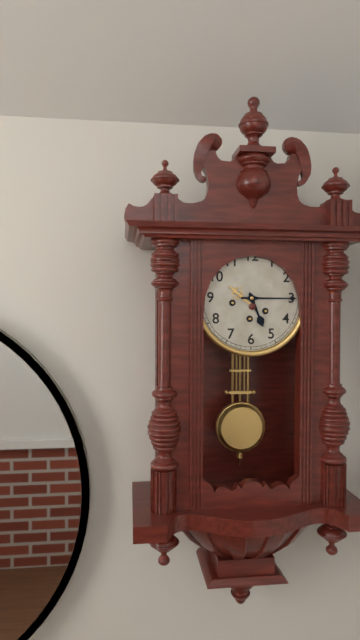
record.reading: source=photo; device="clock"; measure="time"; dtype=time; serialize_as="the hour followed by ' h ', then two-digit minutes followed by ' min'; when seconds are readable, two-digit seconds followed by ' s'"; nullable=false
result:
5 h 15 min
